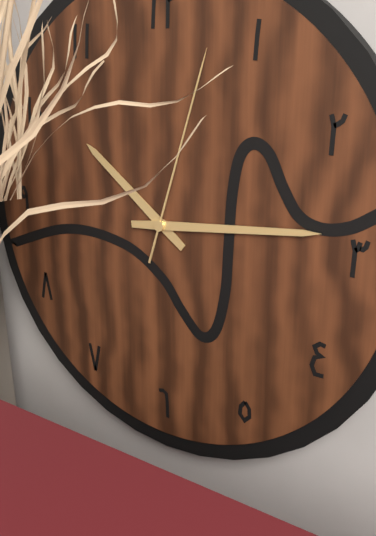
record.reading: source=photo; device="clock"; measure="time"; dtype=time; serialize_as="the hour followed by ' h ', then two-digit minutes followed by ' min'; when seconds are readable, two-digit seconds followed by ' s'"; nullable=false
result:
10 h 14 min 03 s
